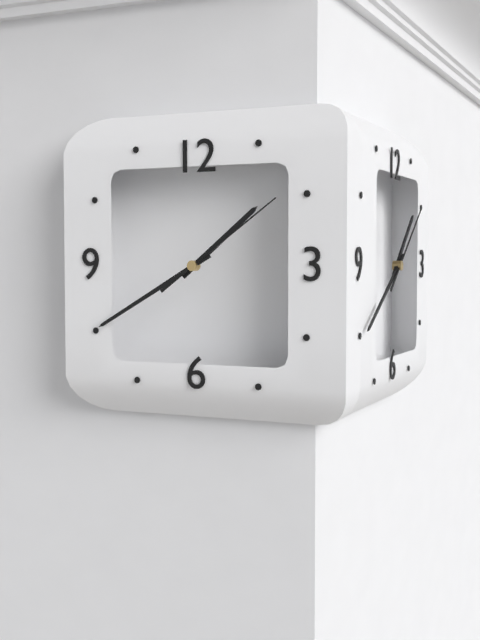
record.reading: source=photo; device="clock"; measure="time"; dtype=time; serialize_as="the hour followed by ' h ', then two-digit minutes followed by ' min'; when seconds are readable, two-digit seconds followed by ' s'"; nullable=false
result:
1 h 40 min 09 s
